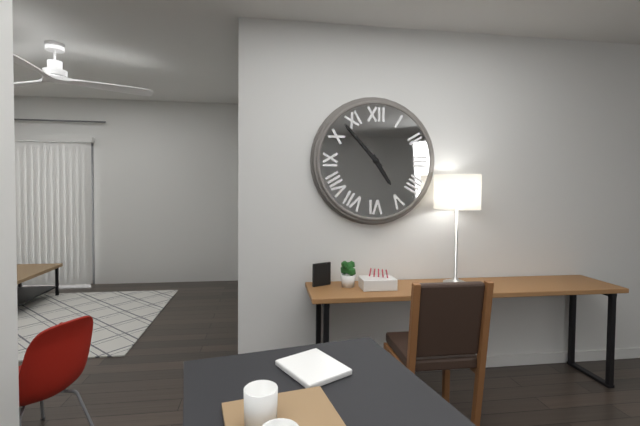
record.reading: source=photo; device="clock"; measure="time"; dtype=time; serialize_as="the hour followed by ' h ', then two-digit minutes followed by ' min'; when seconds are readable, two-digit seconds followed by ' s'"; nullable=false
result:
4 h 53 min
